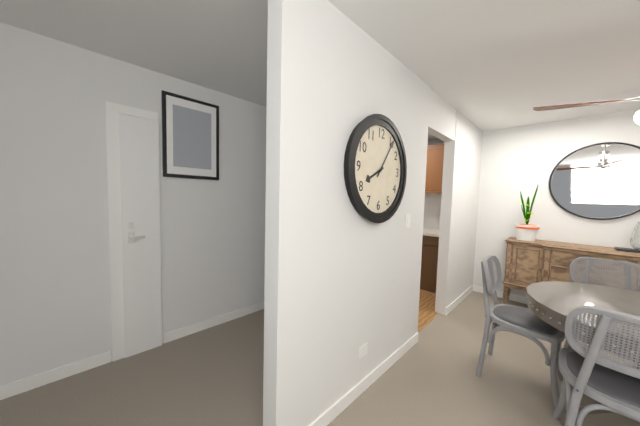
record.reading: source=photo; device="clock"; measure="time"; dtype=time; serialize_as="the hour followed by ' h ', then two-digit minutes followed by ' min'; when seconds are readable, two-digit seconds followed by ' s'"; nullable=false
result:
8 h 06 min
